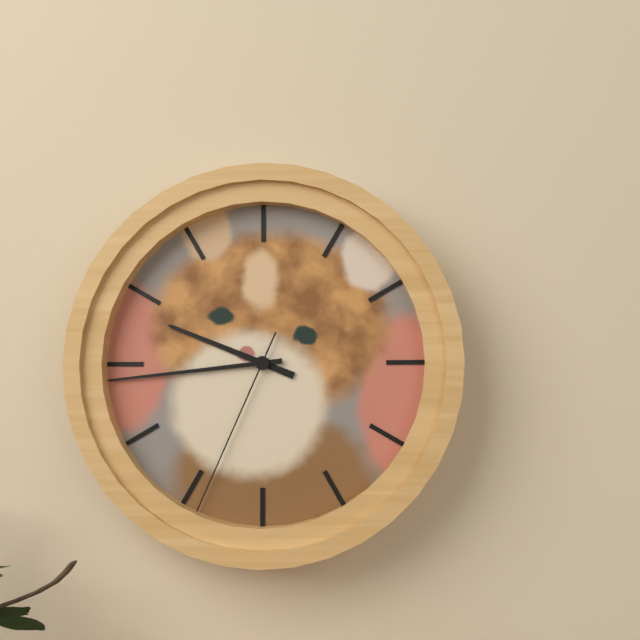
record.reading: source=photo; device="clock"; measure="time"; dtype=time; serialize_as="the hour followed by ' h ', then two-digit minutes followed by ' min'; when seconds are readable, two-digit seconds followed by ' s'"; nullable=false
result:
9 h 44 min 34 s
